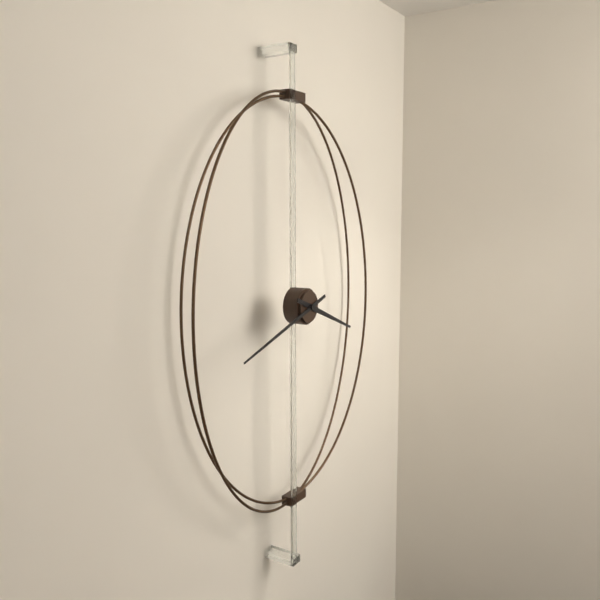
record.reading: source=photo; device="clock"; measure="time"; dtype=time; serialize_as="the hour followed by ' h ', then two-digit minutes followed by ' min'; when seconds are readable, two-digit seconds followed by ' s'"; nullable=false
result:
3 h 42 min
